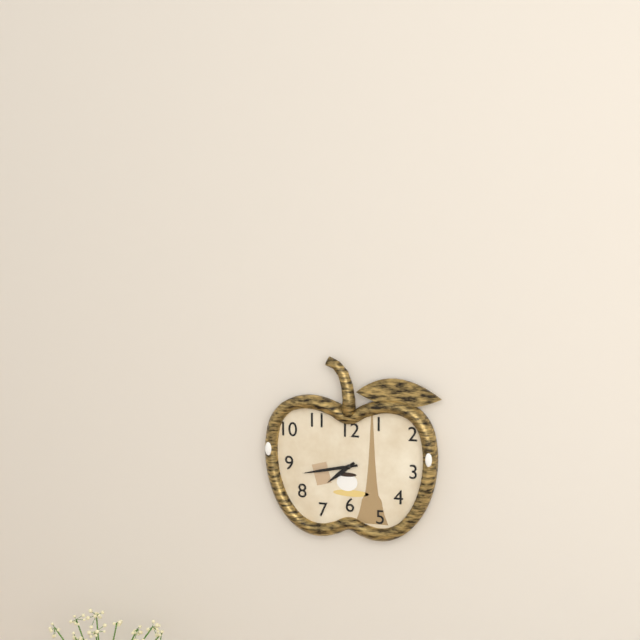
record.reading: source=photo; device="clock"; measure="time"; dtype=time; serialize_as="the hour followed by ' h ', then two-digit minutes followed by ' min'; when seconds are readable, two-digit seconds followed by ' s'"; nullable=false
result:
7 h 43 min
